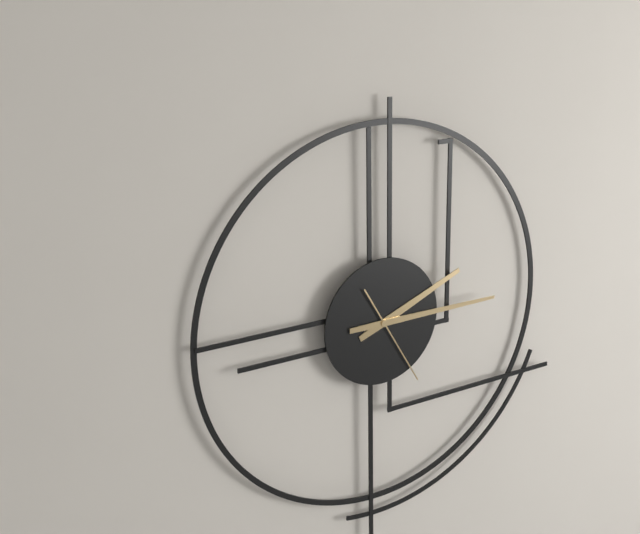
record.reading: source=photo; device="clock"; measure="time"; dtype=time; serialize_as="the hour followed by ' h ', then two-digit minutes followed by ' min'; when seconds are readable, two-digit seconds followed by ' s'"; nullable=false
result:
2 h 15 min 25 s
